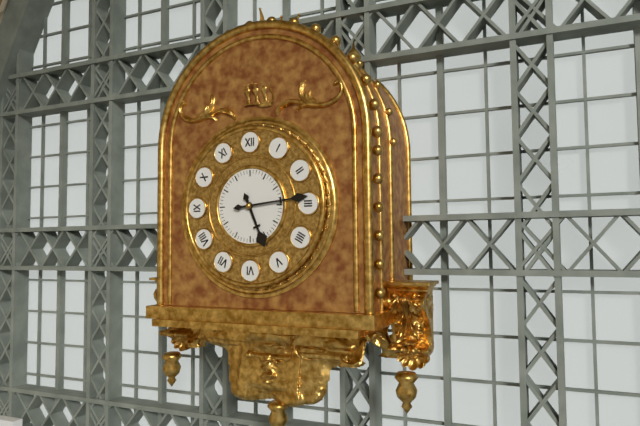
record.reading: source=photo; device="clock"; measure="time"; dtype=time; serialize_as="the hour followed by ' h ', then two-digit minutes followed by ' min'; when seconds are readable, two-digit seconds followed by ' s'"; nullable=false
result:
5 h 14 min
